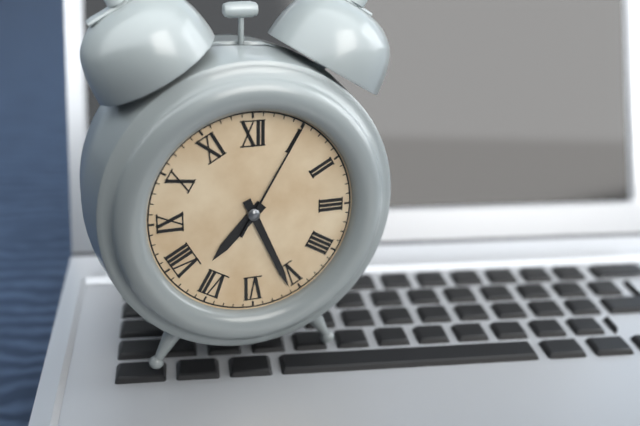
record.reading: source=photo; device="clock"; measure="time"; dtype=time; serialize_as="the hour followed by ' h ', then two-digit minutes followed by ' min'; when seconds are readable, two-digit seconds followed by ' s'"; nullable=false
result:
7 h 26 min 05 s
